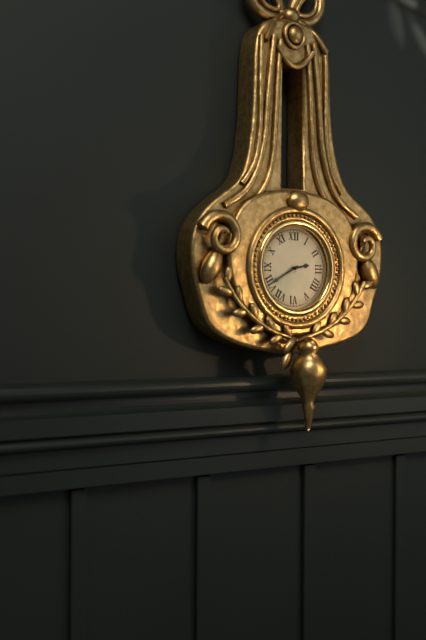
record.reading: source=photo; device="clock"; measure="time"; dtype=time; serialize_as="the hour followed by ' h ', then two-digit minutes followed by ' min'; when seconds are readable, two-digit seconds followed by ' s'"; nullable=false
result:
2 h 40 min
